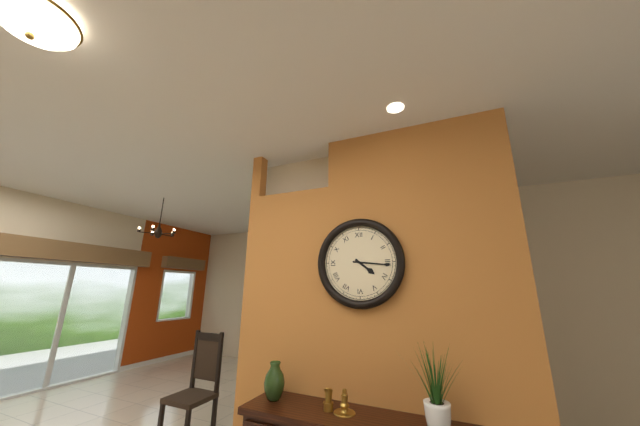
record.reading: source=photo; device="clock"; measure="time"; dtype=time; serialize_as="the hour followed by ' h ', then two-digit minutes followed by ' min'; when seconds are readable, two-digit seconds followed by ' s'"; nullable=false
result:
4 h 16 min
